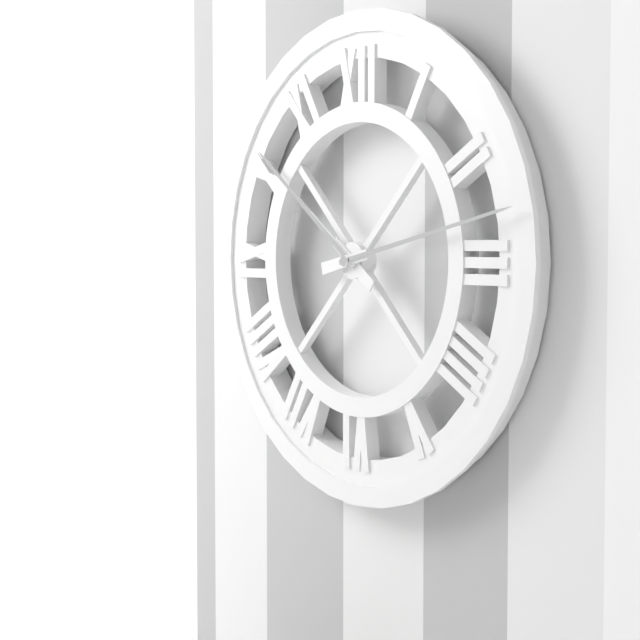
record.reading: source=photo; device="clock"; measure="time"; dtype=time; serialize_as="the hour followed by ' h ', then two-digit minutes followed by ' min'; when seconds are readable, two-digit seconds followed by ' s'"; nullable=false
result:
10 h 13 min
